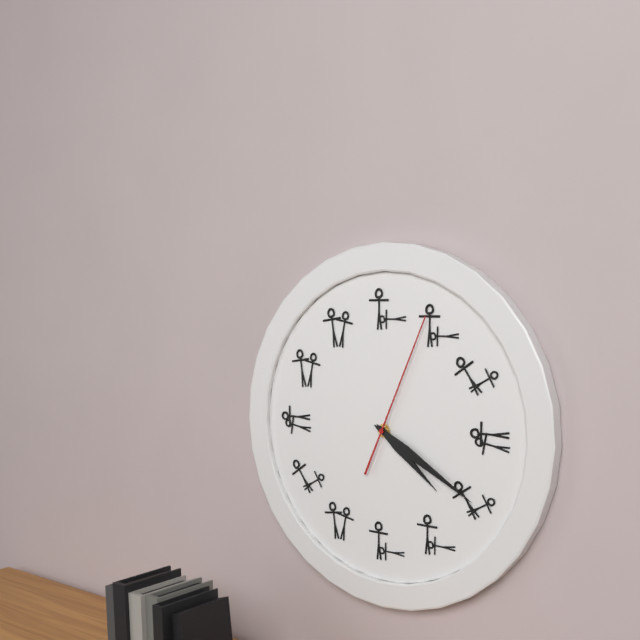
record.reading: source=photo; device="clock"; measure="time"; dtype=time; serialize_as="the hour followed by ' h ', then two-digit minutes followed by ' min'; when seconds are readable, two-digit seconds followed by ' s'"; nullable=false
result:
4 h 20 min 04 s
